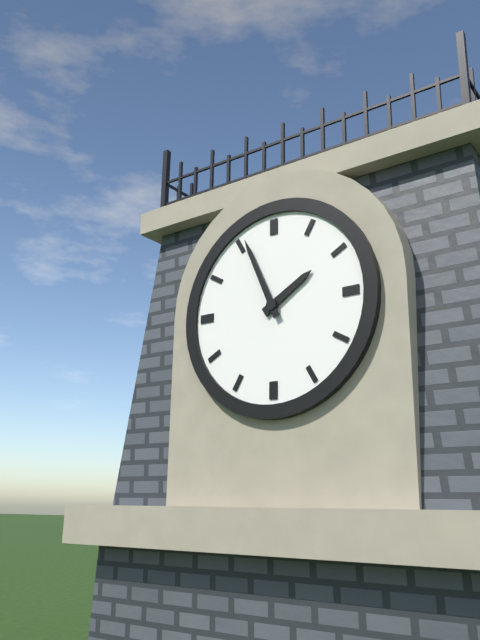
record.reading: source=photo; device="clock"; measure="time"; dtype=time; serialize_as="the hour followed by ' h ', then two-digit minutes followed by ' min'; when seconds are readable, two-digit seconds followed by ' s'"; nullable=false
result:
1 h 56 min
